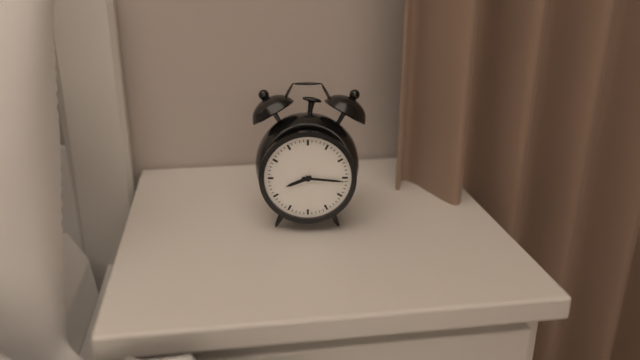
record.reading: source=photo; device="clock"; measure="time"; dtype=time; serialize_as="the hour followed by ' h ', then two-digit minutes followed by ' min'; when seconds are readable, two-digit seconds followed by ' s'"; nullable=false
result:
8 h 16 min
